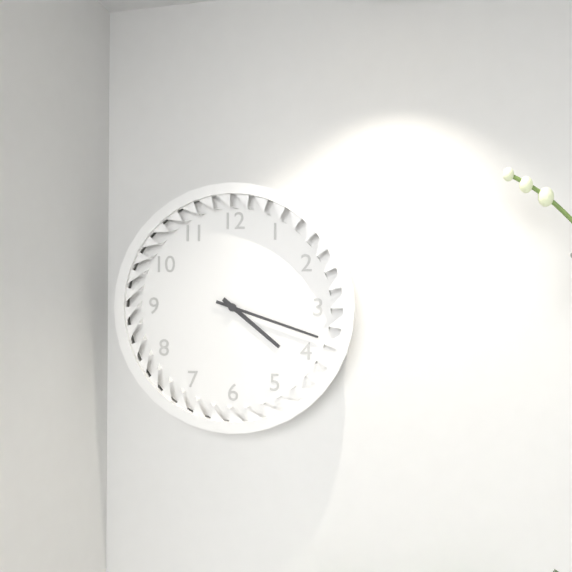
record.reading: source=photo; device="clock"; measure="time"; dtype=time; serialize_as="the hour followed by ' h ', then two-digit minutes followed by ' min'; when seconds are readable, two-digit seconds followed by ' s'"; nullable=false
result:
4 h 18 min
